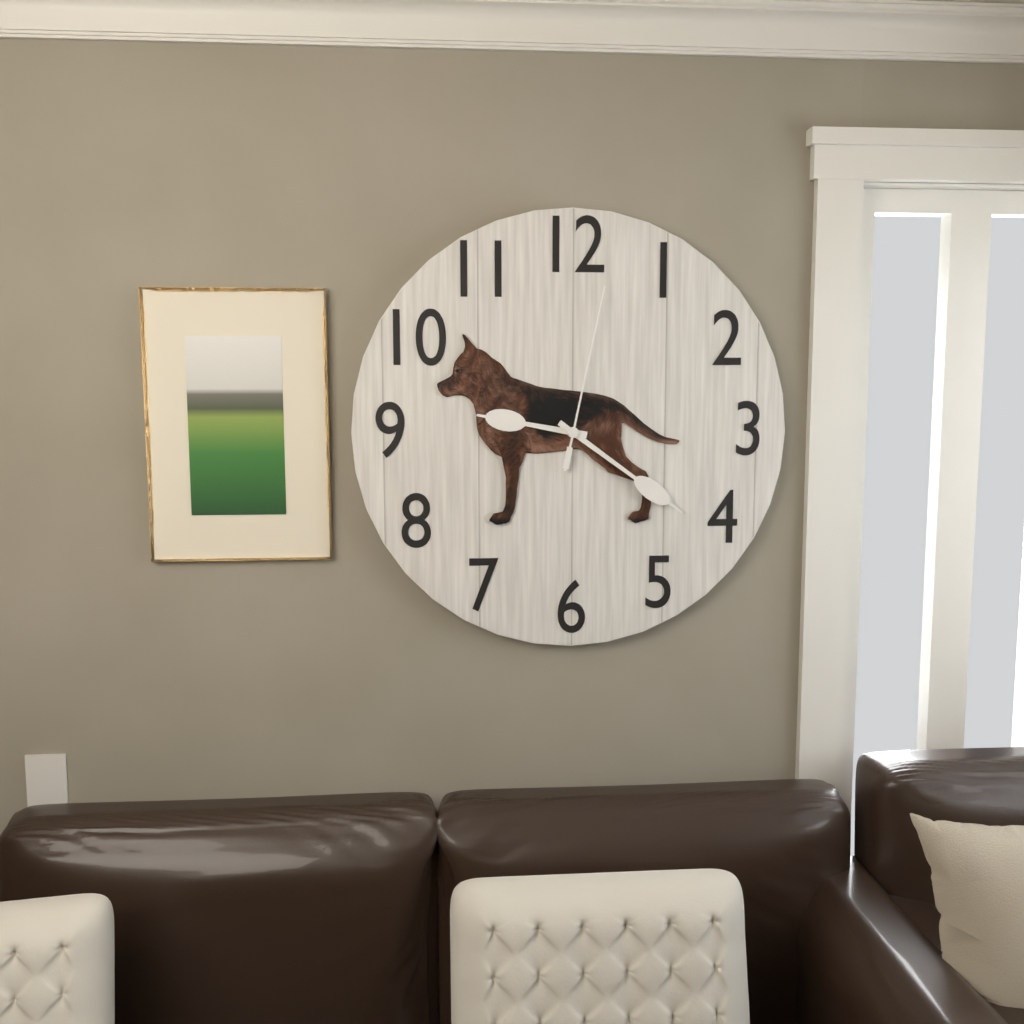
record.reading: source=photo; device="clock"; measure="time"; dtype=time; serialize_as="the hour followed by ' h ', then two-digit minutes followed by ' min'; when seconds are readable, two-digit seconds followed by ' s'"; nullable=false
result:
9 h 21 min 02 s
